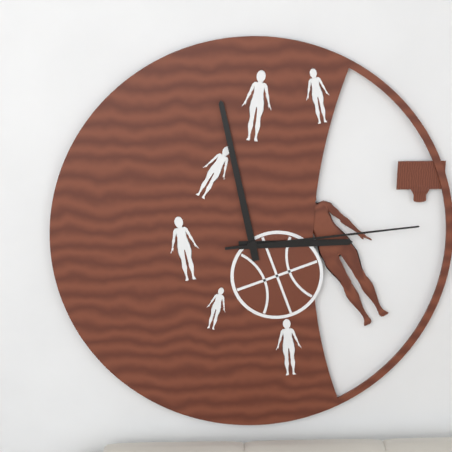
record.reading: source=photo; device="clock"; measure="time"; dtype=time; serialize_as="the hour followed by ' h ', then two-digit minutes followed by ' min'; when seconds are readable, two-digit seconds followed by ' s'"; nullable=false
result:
2 h 58 min 14 s
